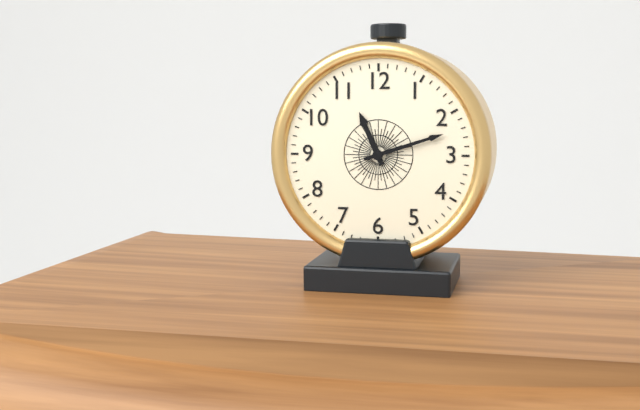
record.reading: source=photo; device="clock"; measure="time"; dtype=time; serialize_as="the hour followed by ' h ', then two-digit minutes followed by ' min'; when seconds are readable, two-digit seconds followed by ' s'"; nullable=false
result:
11 h 12 min
